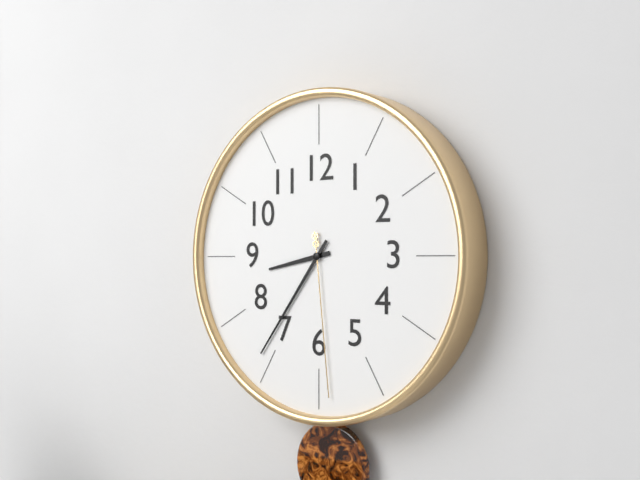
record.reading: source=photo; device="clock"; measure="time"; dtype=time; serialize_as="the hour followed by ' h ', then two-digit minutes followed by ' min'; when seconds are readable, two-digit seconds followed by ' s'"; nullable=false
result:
8 h 36 min 29 s
